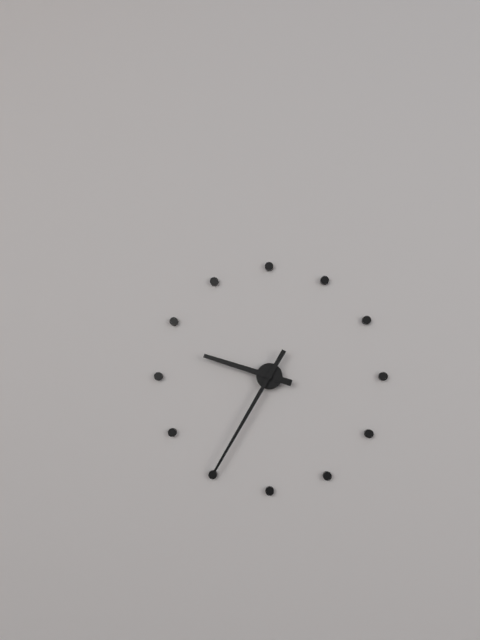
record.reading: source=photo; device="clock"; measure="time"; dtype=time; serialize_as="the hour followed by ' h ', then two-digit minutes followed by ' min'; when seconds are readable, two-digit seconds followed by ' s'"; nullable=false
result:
9 h 35 min
